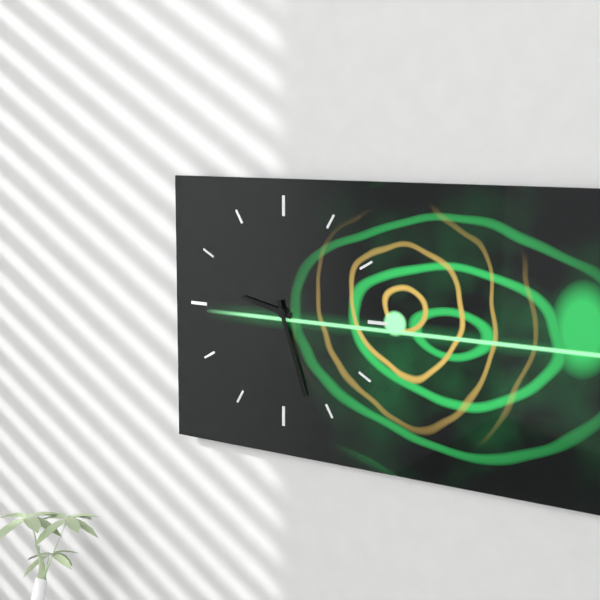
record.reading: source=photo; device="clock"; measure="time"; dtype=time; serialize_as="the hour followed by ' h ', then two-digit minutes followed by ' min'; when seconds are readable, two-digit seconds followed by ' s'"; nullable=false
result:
9 h 27 min
